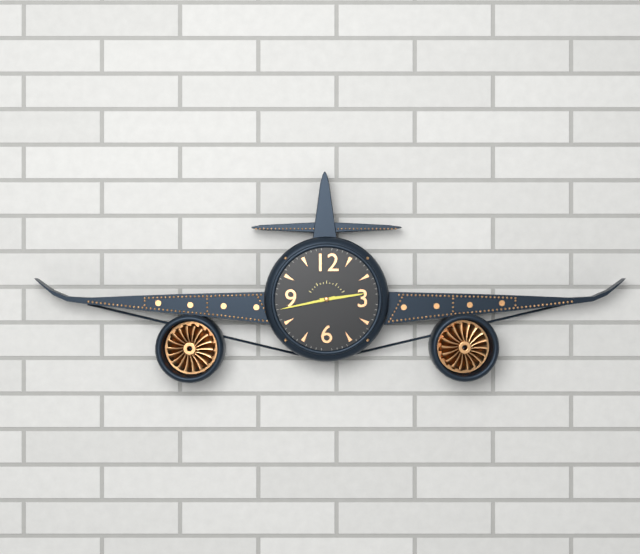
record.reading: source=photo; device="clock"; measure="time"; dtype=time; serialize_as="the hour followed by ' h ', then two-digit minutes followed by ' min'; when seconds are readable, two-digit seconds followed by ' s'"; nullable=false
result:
2 h 43 min
